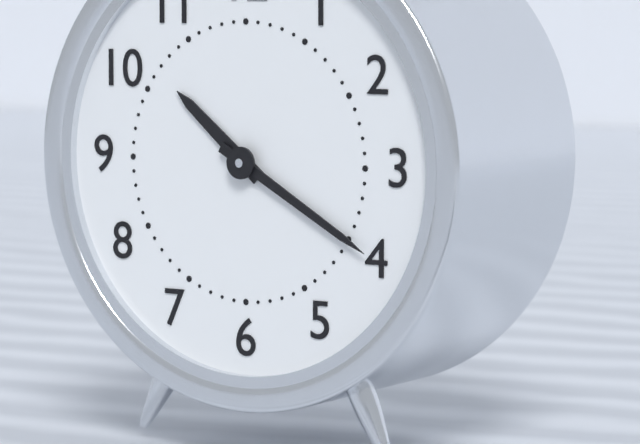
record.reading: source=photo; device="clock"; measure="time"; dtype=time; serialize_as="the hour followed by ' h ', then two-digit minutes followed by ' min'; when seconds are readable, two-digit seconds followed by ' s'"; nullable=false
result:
10 h 20 min
